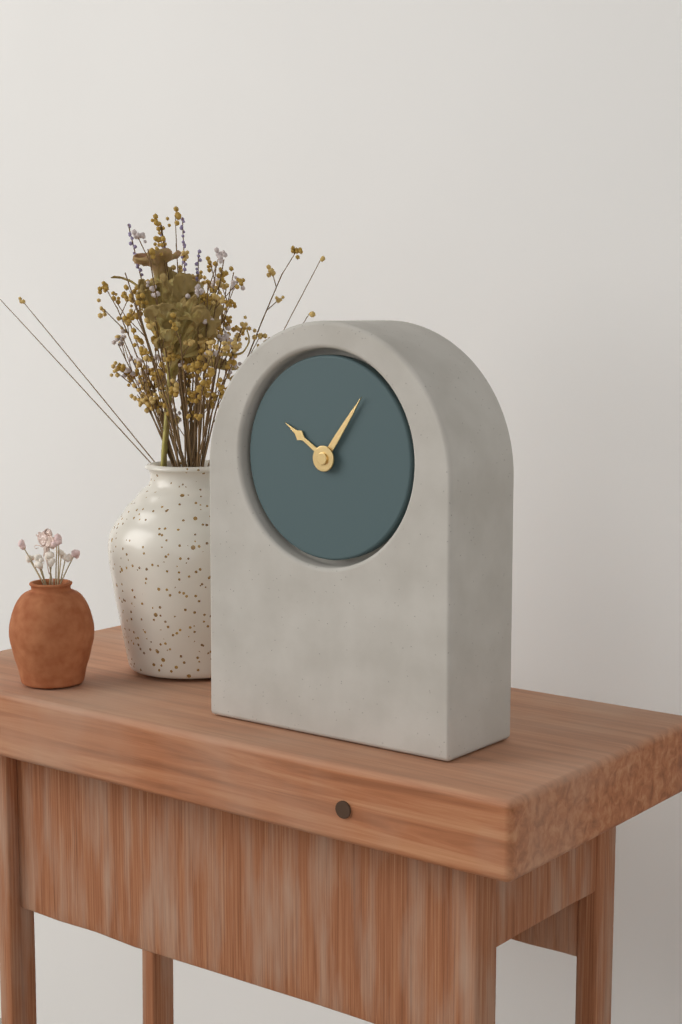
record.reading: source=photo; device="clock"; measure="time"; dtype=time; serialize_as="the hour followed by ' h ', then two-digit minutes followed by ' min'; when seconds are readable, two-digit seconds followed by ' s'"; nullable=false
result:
10 h 06 min
